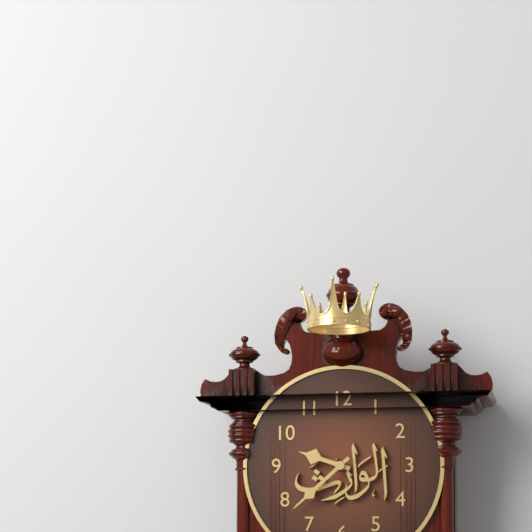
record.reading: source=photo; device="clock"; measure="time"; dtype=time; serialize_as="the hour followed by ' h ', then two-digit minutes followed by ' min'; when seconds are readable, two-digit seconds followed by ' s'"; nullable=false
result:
9 h 38 min
